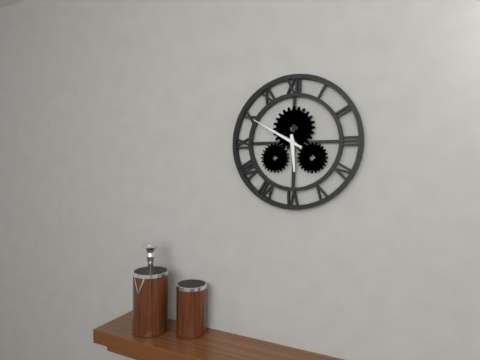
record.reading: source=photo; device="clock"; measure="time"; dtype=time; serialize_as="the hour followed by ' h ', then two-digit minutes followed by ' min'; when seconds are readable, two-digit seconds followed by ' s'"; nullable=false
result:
5 h 50 min
